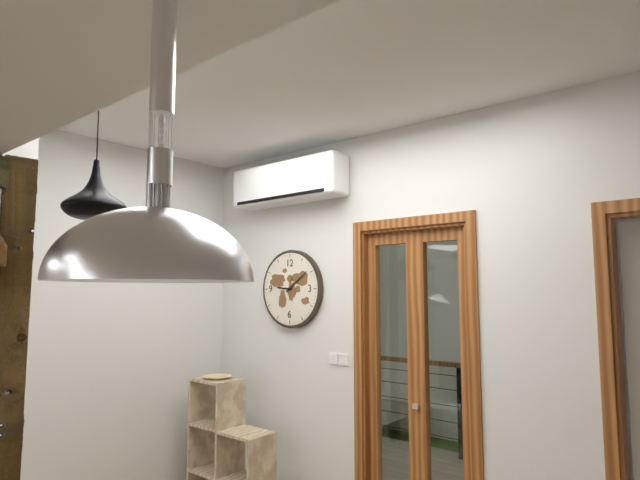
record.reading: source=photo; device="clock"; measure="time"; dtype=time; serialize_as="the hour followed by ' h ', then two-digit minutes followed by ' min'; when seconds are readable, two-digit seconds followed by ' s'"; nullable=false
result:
9 h 09 min
